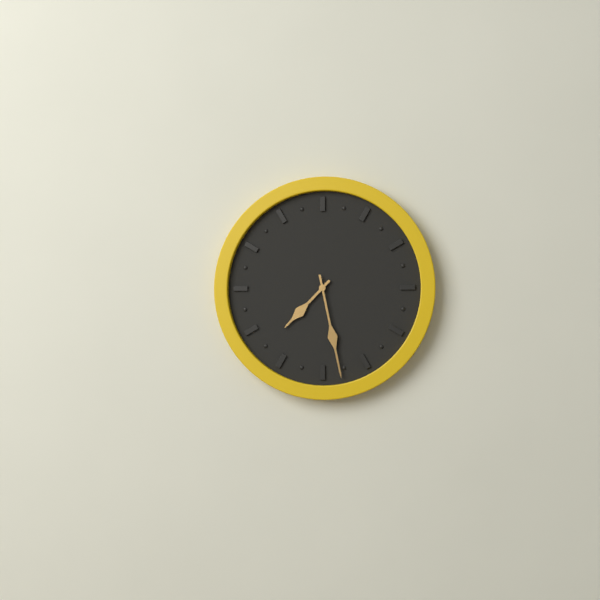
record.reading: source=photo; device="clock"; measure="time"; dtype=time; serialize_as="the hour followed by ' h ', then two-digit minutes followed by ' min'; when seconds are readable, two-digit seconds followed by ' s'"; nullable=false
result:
7 h 28 min
